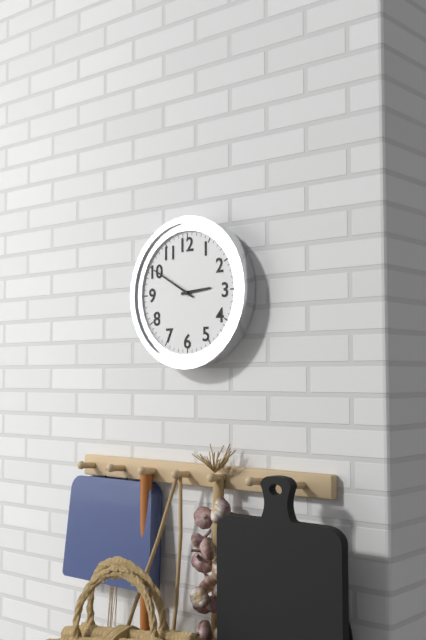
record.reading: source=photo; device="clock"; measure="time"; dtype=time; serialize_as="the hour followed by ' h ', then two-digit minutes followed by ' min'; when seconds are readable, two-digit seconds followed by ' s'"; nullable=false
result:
2 h 50 min
